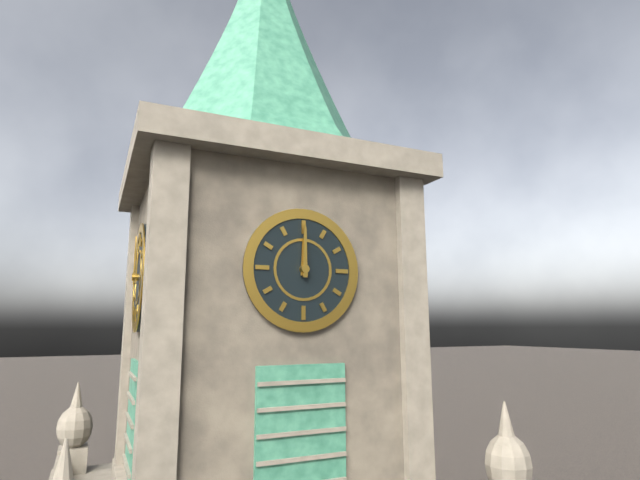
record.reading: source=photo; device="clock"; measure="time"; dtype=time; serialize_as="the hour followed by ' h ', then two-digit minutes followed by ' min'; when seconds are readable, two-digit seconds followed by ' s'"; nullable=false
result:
12 h 00 min
